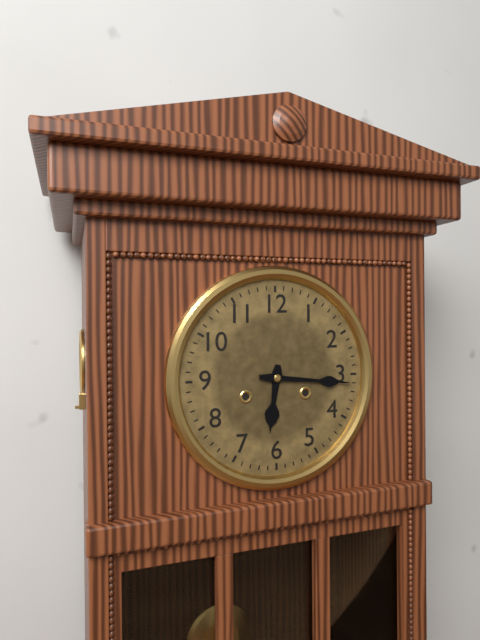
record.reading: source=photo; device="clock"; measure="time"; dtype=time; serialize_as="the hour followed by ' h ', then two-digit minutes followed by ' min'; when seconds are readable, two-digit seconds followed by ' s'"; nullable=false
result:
6 h 16 min
